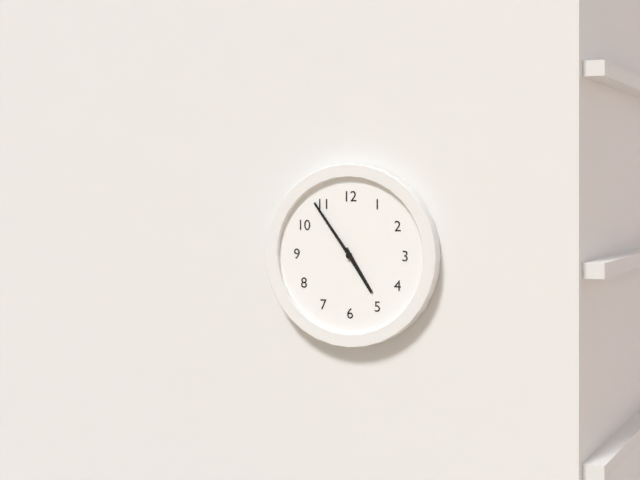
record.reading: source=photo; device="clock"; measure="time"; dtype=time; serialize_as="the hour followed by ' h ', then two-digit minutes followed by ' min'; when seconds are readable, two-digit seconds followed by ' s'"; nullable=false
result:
4 h 54 min
